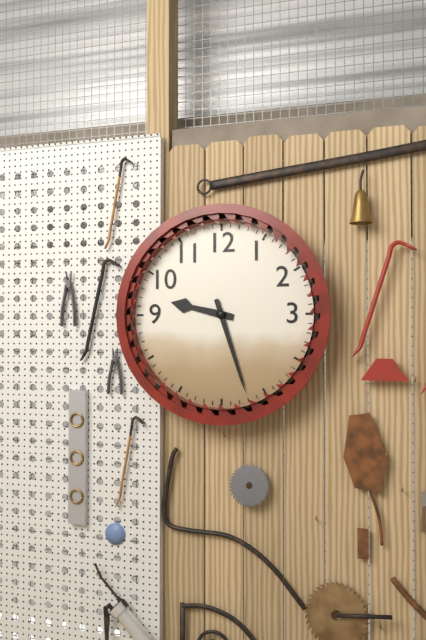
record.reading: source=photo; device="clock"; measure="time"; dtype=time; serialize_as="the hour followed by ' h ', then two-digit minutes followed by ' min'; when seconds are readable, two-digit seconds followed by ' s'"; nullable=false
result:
9 h 27 min
